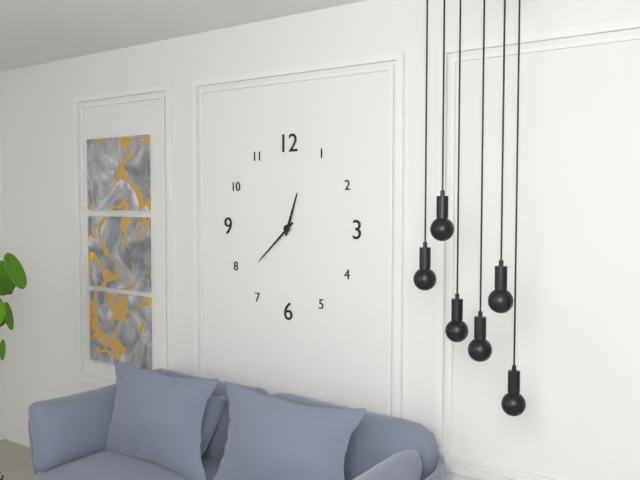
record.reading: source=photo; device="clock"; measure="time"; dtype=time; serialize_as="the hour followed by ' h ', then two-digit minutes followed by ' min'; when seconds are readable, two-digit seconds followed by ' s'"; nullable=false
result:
12 h 38 min
